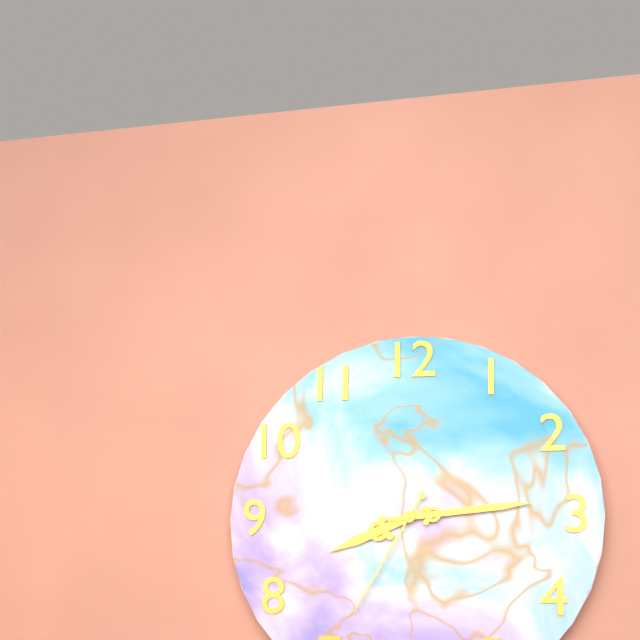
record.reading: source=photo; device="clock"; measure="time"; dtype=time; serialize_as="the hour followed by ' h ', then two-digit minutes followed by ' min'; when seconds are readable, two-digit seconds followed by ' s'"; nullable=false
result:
8 h 14 min 35 s
